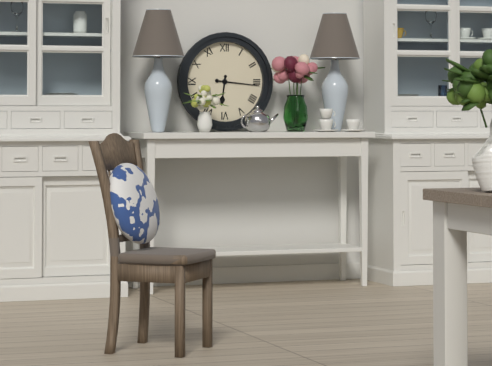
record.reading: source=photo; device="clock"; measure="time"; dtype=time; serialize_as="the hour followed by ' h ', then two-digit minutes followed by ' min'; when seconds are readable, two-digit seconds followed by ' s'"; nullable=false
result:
6 h 16 min
